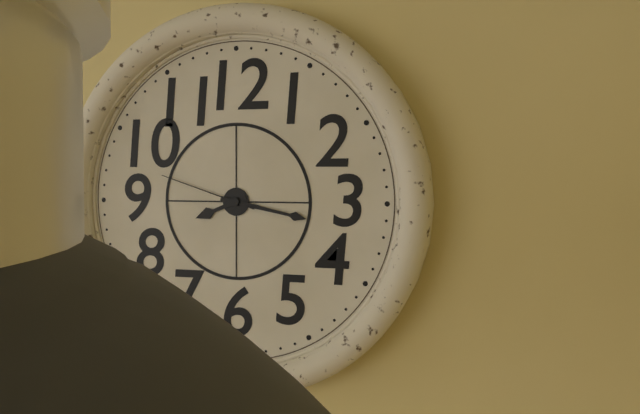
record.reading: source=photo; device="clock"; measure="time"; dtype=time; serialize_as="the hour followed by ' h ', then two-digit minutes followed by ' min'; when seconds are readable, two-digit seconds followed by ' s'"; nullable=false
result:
8 h 17 min 48 s
